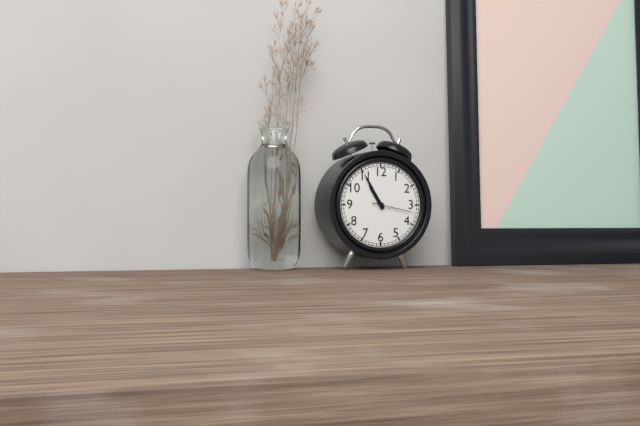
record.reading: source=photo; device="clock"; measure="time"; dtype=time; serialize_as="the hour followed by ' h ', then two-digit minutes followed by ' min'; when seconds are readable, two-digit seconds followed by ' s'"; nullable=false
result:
10 h 55 min
